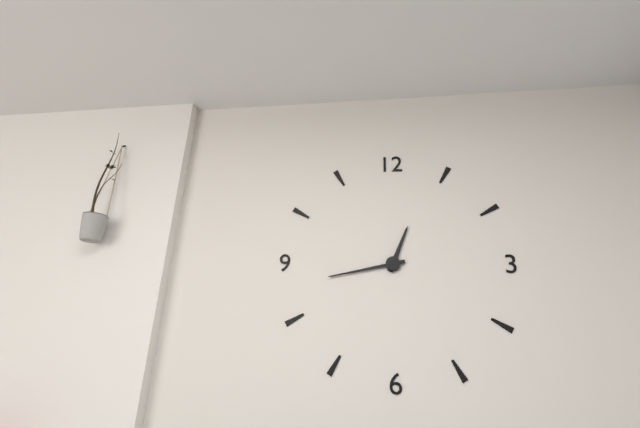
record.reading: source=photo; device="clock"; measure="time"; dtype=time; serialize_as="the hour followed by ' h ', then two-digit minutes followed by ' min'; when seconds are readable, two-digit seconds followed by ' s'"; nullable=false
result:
12 h 43 min
